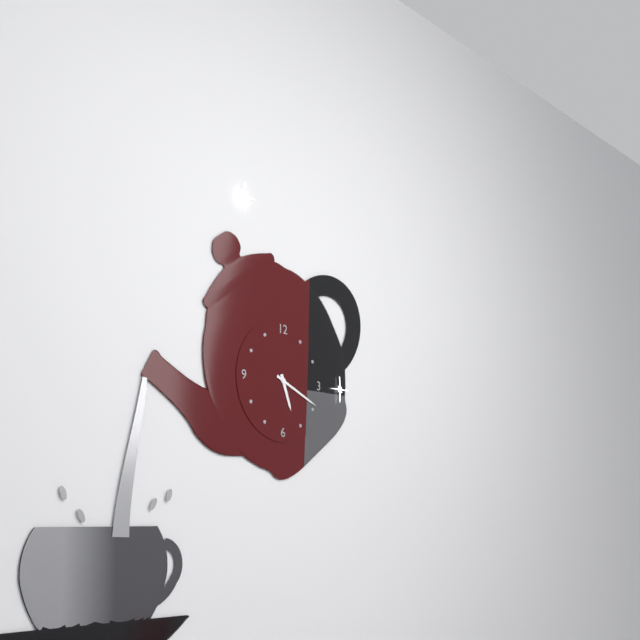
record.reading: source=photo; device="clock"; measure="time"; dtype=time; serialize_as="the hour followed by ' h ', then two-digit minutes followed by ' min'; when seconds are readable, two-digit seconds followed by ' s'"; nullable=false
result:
5 h 19 min
